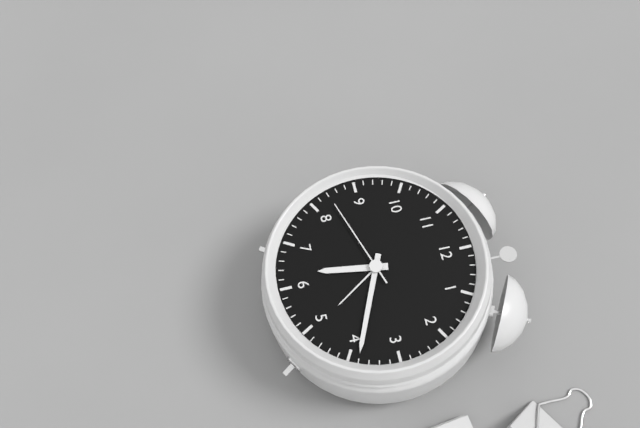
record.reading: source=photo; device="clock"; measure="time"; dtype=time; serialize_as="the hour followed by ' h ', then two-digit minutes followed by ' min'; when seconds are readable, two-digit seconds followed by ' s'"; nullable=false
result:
6 h 19 min 42 s
